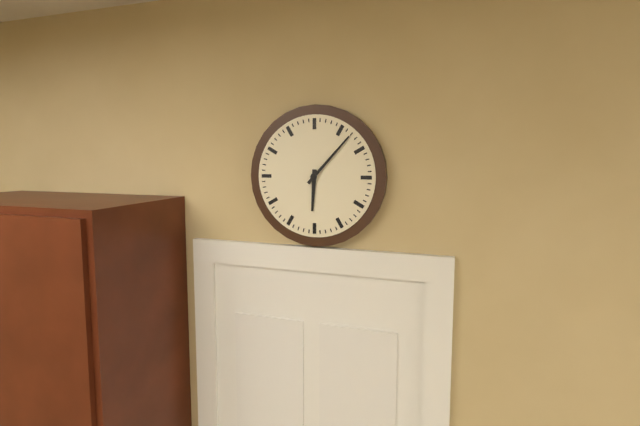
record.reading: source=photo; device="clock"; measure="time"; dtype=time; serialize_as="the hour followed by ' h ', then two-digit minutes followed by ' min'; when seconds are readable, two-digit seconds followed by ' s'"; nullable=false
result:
6 h 07 min
